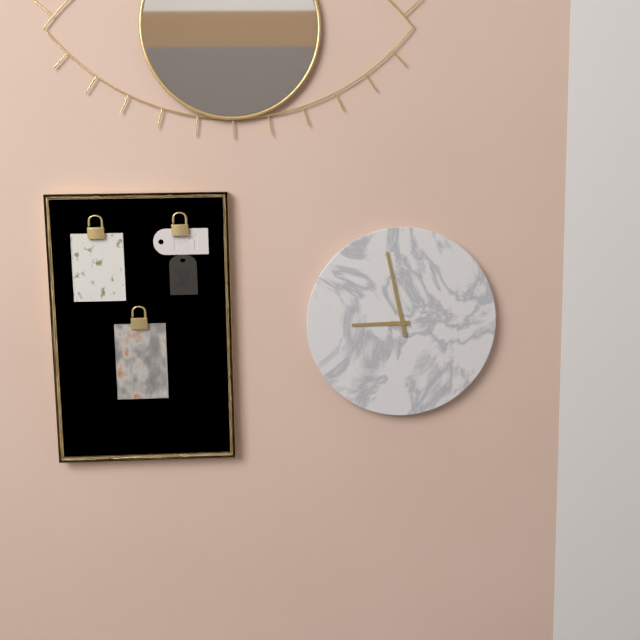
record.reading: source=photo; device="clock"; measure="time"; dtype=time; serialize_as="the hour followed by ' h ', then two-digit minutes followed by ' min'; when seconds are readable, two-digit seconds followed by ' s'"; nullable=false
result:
8 h 58 min
